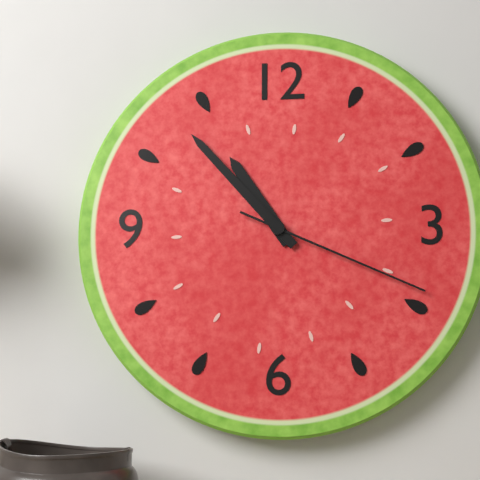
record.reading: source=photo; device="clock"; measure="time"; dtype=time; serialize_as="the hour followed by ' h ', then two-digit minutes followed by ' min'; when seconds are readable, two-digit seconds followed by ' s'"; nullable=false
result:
10 h 53 min 19 s
